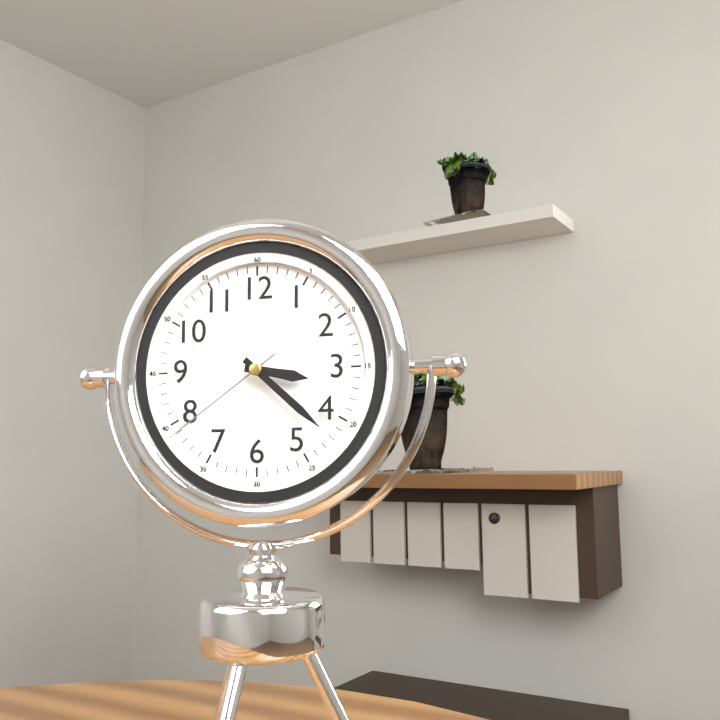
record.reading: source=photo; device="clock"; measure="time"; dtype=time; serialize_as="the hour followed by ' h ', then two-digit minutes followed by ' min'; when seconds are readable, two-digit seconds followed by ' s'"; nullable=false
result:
3 h 22 min 39 s
